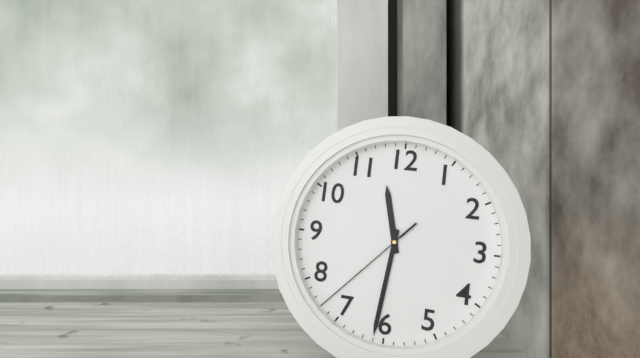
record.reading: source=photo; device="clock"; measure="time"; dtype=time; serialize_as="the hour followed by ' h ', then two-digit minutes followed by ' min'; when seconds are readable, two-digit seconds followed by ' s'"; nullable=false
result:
11 h 31 min 37 s
